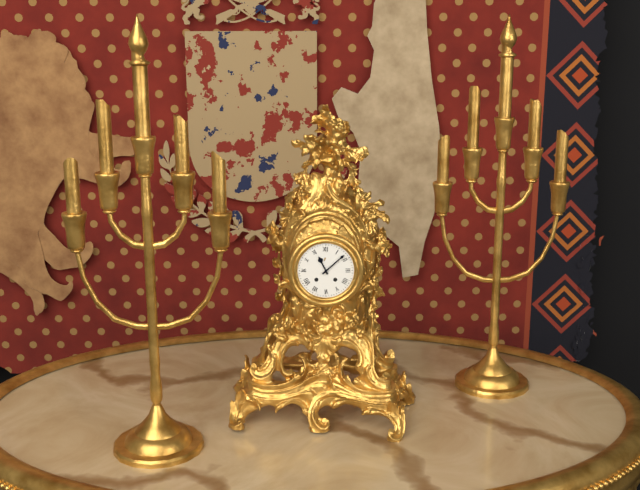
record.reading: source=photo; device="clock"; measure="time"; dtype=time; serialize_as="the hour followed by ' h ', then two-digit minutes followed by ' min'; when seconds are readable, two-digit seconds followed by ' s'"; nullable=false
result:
11 h 08 min
